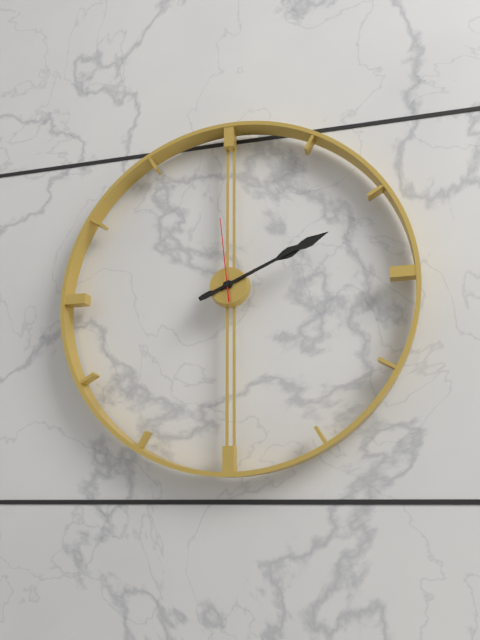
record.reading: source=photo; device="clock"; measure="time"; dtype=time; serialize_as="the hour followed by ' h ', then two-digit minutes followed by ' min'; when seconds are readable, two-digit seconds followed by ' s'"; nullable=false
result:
2 h 11 min 59 s
